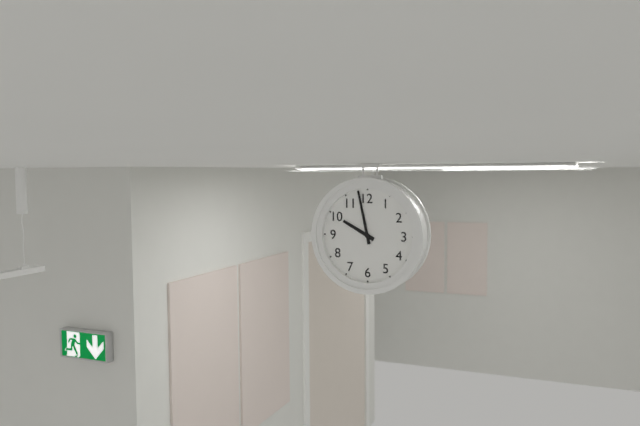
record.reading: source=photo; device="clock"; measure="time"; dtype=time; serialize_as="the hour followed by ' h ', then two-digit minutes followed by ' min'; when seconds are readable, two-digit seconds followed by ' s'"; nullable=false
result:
9 h 58 min
